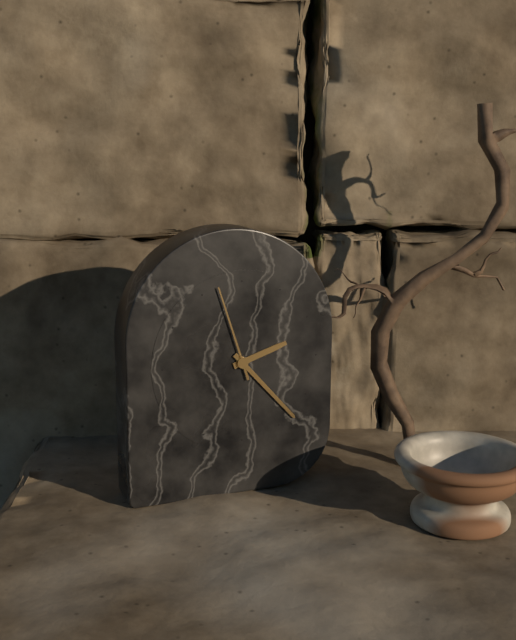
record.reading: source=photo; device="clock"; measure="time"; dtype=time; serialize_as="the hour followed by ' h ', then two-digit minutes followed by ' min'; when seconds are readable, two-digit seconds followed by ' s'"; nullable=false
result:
2 h 23 min 57 s
